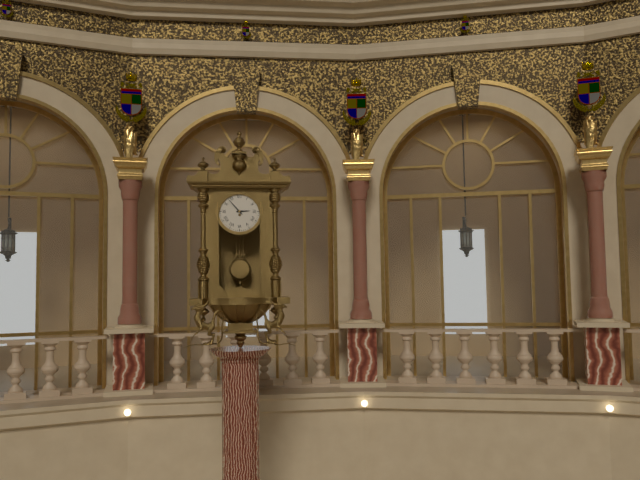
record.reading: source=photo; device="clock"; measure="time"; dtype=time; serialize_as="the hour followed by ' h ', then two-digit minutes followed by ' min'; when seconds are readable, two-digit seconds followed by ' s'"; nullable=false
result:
2 h 53 min
